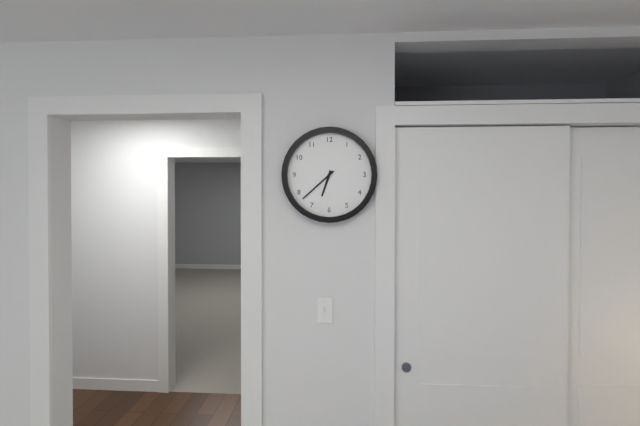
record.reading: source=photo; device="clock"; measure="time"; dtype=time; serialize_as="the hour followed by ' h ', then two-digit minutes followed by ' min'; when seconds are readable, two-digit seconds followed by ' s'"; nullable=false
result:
6 h 38 min
